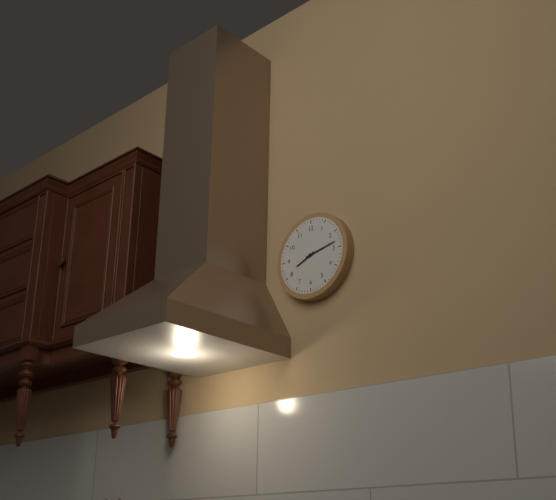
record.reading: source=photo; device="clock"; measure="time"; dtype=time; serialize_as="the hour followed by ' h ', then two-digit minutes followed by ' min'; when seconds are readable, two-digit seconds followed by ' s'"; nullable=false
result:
8 h 13 min
